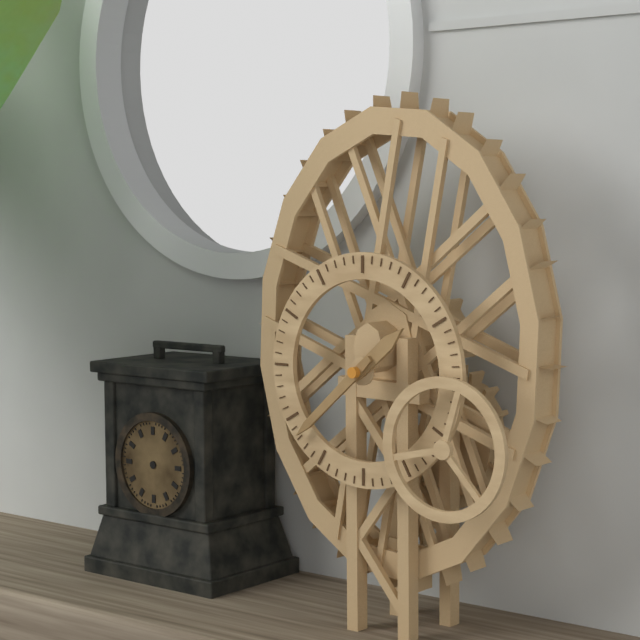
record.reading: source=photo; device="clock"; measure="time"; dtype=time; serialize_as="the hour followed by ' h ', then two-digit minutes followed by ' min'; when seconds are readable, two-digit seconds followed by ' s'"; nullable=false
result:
1 h 38 min
